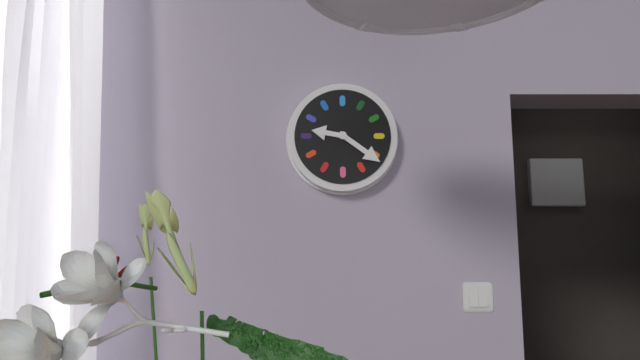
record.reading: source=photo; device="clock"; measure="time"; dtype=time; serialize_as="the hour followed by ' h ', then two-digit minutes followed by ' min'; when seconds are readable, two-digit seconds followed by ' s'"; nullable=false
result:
9 h 21 min
